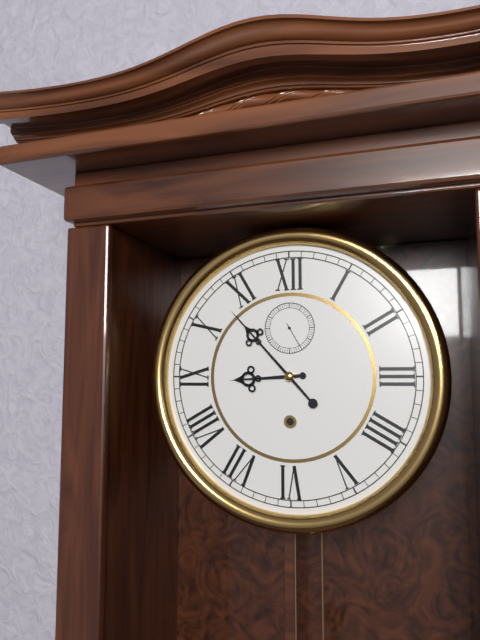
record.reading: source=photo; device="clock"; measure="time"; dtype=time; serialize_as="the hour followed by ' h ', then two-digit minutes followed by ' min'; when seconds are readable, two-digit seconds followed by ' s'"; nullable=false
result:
8 h 53 min
